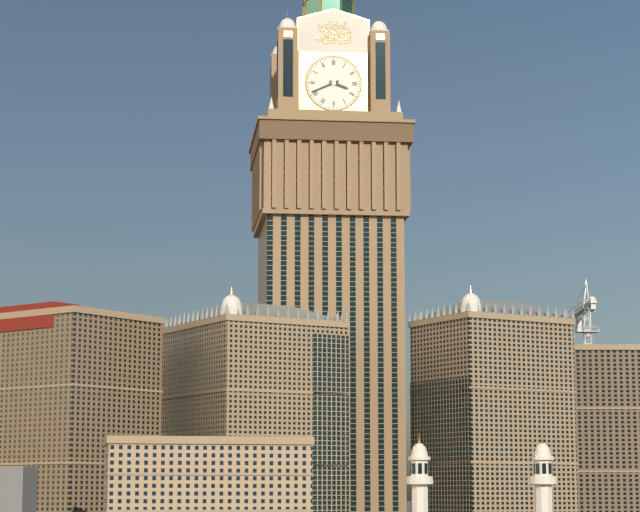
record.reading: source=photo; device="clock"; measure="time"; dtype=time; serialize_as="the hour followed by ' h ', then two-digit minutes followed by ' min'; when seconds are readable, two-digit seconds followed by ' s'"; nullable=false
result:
3 h 41 min
